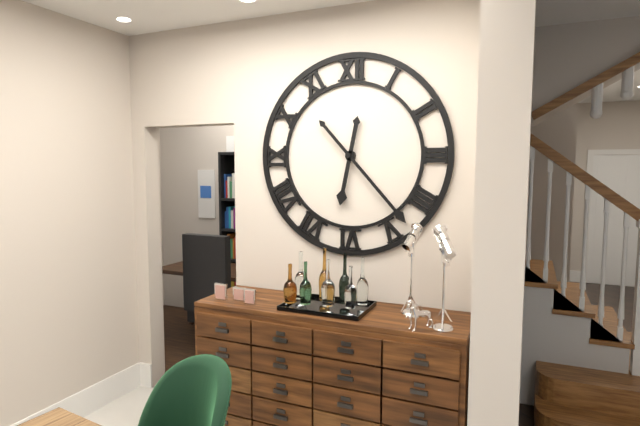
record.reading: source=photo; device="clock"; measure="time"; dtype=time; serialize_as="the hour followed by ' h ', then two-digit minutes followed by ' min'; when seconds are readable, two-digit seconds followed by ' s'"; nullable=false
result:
6 h 23 min
